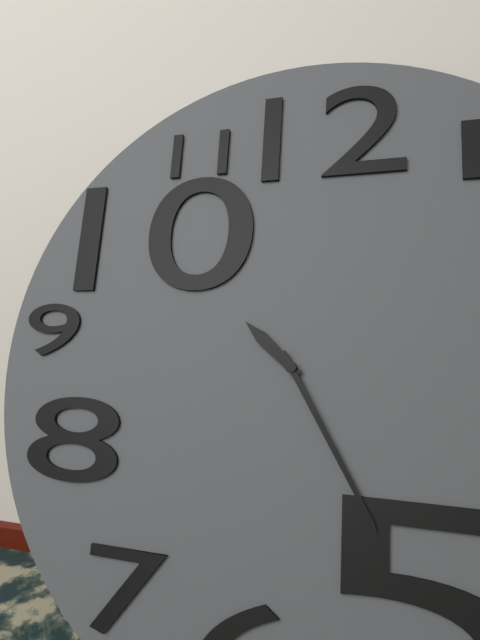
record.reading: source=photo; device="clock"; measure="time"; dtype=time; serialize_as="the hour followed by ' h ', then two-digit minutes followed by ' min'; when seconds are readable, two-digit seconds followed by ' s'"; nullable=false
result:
10 h 25 min
